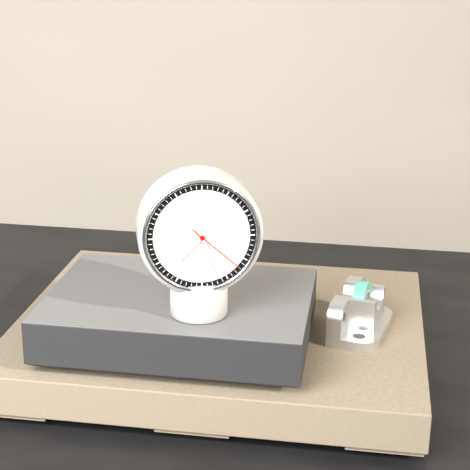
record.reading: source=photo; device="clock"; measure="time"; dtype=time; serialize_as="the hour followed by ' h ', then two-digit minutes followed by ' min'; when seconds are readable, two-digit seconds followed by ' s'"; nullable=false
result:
7 h 26 min 22 s
